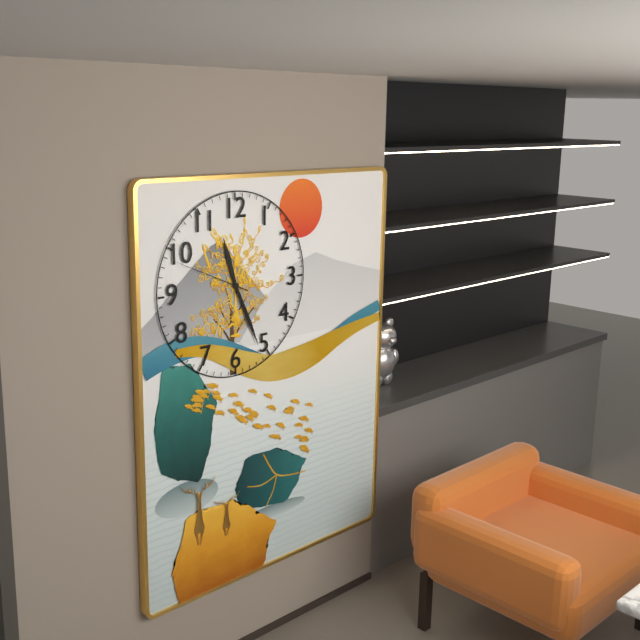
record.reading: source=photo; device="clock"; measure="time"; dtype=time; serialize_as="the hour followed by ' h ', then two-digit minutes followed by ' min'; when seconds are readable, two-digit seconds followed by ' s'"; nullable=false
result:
11 h 26 min 49 s
